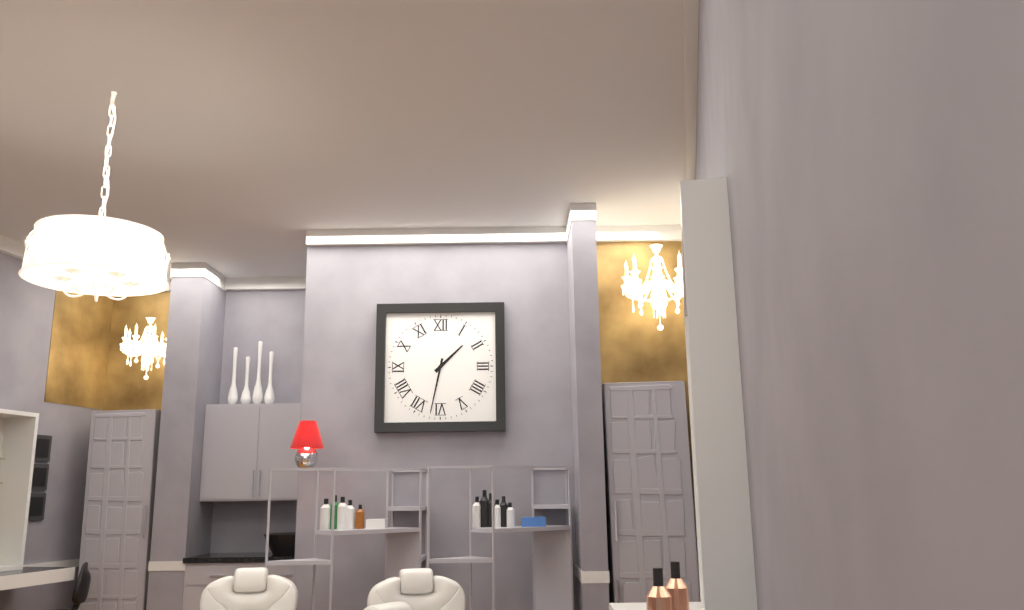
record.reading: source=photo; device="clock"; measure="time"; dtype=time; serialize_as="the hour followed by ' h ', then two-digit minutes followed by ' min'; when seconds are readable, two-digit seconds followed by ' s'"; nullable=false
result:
1 h 32 min
